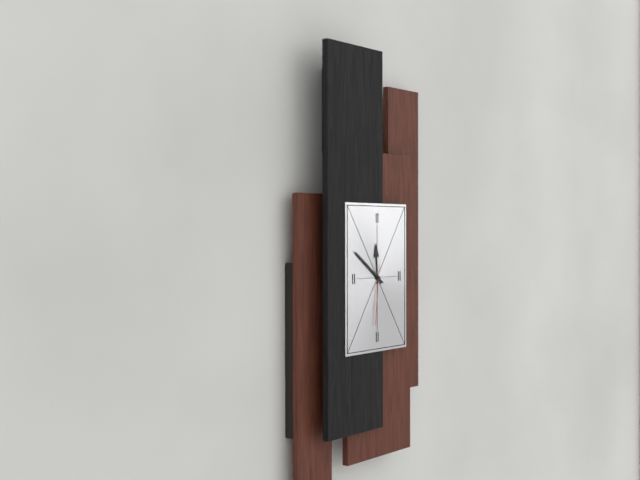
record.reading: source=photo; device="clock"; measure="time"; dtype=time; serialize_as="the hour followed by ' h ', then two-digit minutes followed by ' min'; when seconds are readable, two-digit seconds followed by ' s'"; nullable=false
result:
11 h 51 min 31 s
